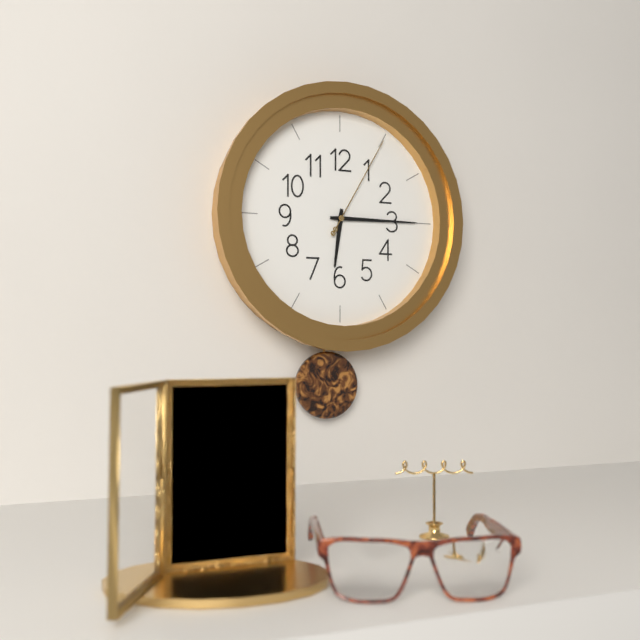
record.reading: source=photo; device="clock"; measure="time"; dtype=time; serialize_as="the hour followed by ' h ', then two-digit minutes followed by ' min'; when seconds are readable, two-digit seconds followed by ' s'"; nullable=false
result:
6 h 15 min 05 s
